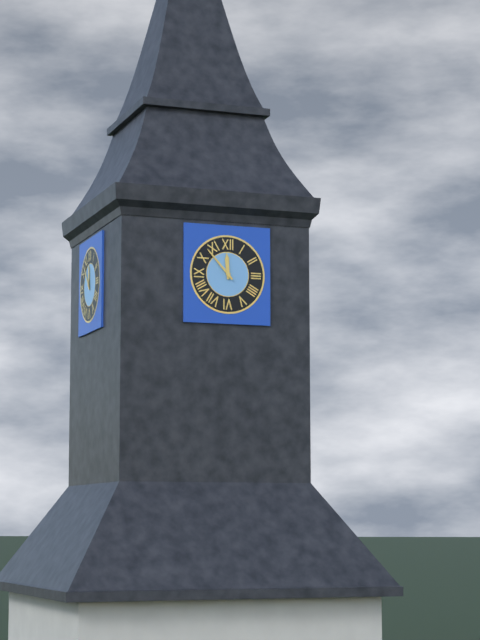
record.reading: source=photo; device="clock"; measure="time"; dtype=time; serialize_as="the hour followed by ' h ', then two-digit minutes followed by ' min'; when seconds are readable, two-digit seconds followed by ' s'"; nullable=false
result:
11 h 53 min
